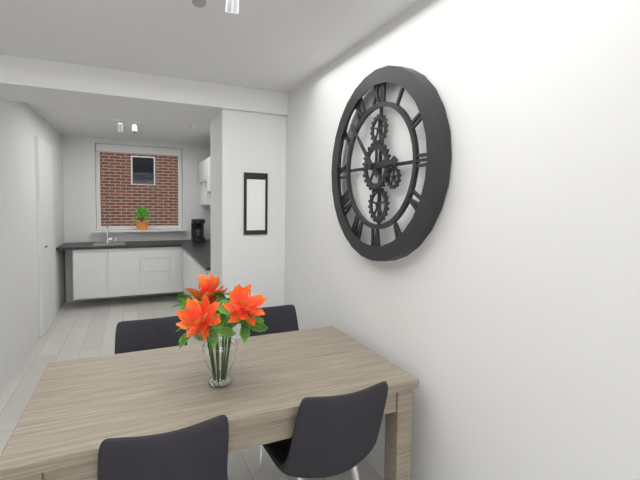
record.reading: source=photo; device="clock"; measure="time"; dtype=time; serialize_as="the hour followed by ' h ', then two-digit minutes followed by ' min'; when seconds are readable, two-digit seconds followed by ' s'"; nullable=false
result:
2 h 53 min
